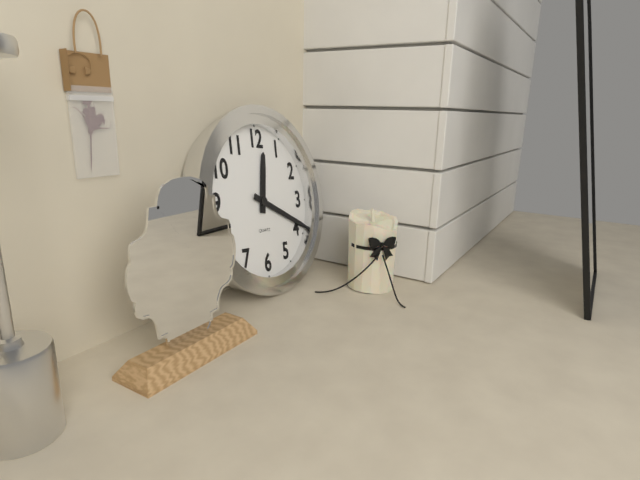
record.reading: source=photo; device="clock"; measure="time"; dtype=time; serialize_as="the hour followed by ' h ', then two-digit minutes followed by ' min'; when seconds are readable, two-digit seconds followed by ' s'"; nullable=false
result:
12 h 19 min
